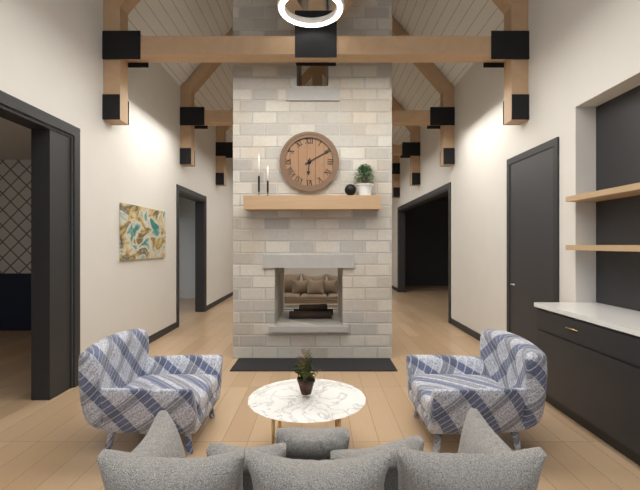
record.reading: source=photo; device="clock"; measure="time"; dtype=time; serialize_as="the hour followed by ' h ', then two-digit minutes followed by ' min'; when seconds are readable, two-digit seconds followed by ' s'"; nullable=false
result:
6 h 10 min
